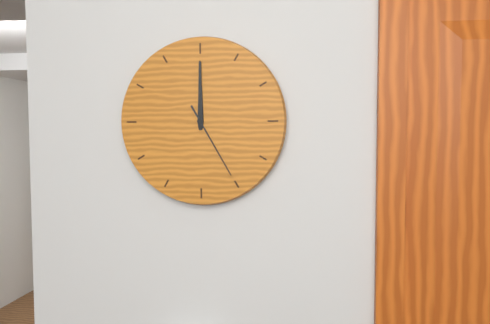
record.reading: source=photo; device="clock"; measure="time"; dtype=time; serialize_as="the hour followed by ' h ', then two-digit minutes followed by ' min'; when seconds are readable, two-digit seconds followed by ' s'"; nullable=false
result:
12 h 00 min 25 s
